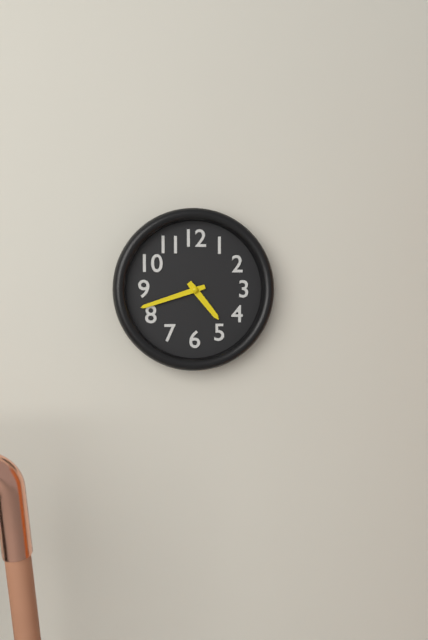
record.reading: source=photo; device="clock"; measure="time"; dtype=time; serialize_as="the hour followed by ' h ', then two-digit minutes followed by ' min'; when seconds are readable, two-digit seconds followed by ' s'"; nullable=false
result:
4 h 42 min
